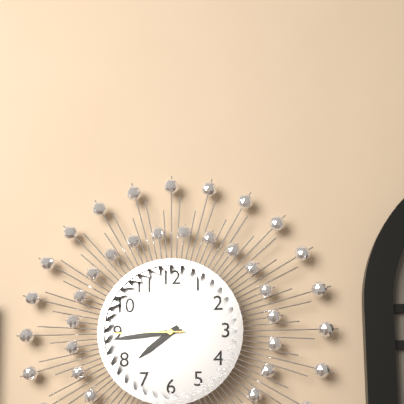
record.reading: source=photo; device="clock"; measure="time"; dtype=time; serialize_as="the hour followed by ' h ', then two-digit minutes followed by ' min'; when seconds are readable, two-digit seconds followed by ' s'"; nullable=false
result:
7 h 44 min 45 s
